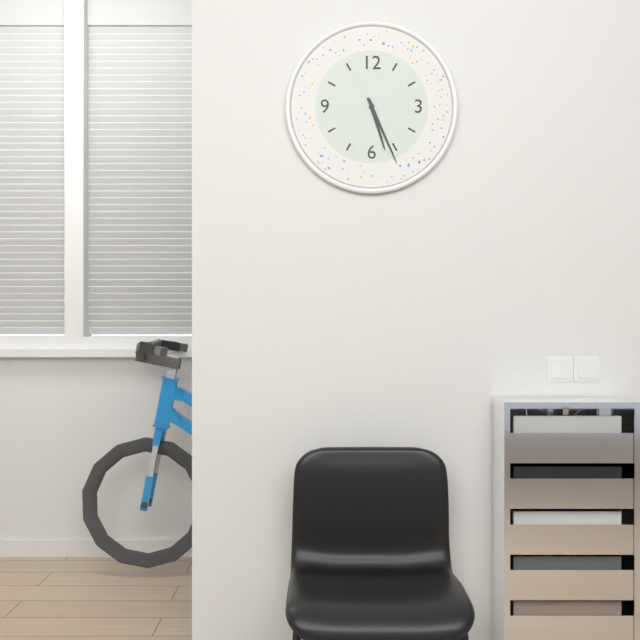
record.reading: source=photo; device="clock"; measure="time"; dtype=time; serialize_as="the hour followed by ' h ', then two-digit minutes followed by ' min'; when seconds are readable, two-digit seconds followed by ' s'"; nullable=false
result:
5 h 26 min
